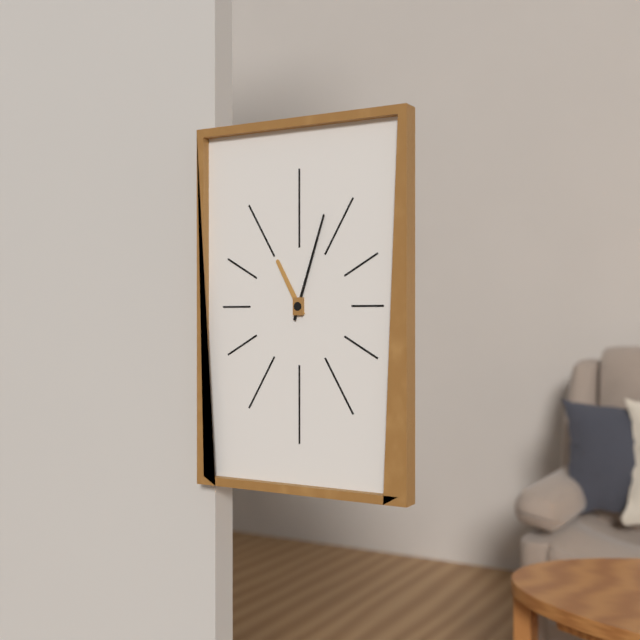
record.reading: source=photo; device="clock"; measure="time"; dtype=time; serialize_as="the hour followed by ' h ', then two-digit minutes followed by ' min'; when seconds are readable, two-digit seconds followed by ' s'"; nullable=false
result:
11 h 03 min
